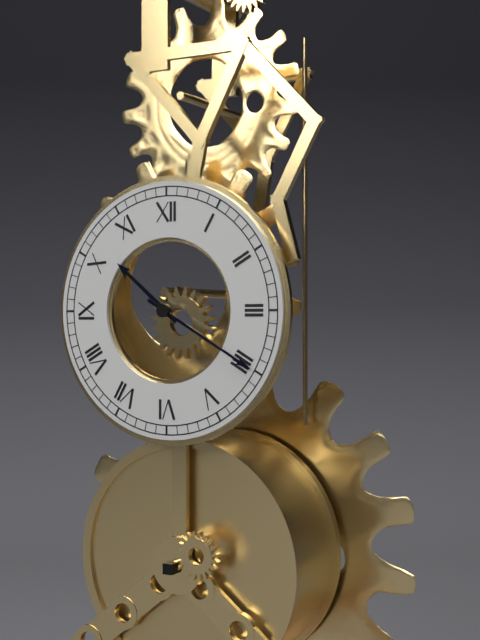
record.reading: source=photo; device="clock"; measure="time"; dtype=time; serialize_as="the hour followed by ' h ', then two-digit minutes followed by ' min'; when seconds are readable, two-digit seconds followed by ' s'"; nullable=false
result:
10 h 20 min
